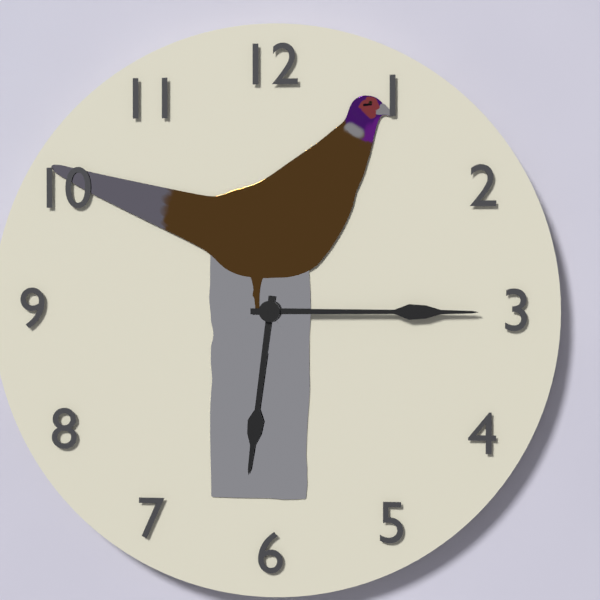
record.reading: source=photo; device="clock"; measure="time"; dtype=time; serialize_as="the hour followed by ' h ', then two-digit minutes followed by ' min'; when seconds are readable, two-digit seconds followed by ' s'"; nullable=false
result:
6 h 15 min
